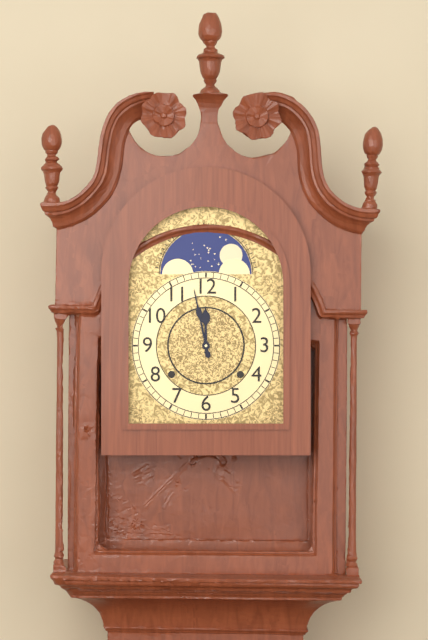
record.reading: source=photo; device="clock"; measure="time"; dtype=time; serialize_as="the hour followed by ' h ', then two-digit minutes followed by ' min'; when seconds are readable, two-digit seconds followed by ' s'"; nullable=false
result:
11 h 58 min
